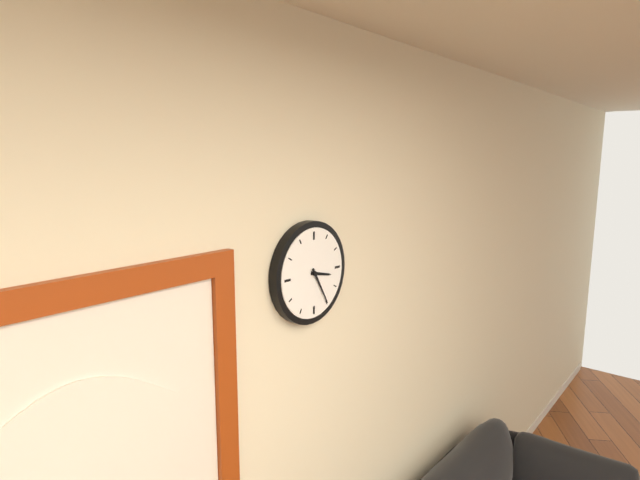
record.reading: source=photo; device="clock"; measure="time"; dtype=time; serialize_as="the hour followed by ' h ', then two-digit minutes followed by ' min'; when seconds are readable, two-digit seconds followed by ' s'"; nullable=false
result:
3 h 25 min
